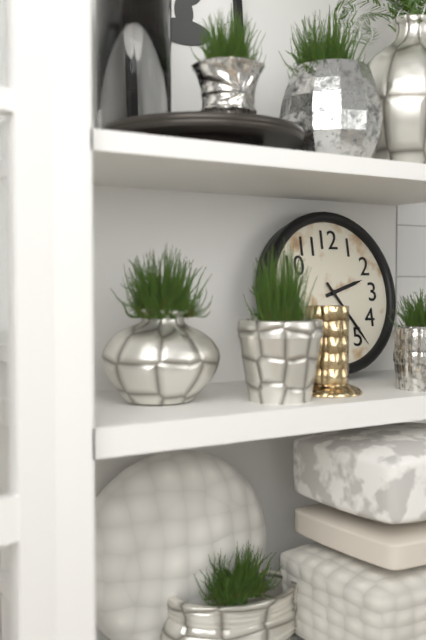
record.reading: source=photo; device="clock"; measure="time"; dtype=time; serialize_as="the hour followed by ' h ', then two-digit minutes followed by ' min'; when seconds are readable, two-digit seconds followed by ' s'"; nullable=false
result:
2 h 24 min
